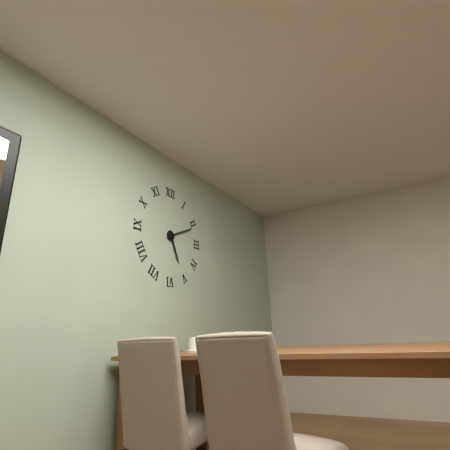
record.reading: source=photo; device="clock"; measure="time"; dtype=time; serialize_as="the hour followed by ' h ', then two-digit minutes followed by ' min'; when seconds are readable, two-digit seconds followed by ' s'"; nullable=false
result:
5 h 11 min
